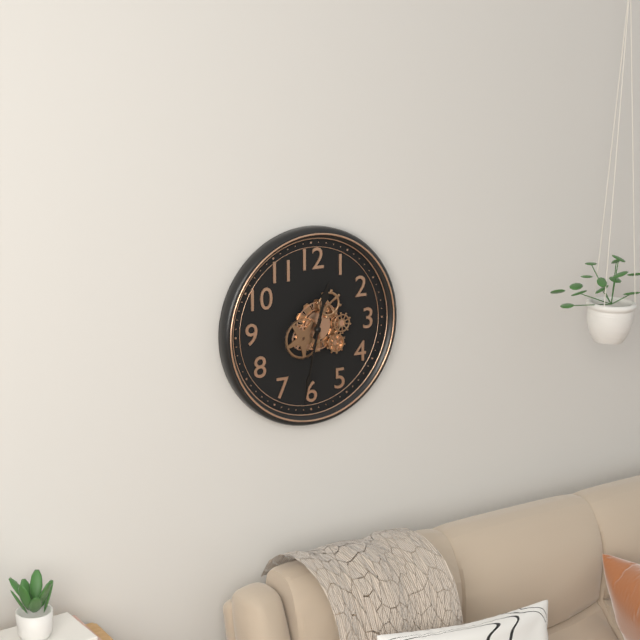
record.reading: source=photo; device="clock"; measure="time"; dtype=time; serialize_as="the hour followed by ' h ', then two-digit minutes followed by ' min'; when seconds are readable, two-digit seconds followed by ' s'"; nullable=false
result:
12 h 32 min
